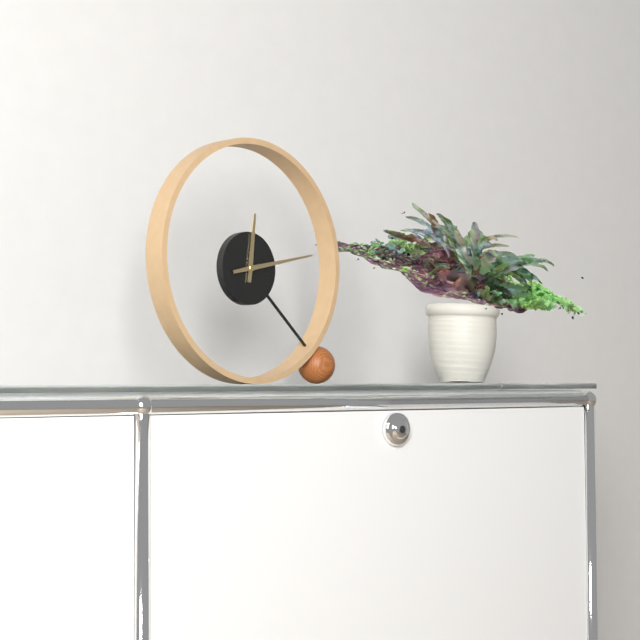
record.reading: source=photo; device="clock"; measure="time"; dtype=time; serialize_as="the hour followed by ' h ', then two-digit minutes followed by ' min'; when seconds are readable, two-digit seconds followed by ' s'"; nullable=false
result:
12 h 13 min
